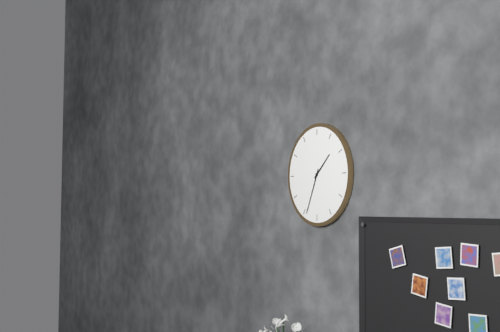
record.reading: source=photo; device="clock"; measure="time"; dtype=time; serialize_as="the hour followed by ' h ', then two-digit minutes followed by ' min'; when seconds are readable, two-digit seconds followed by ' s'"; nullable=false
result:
1 h 34 min
